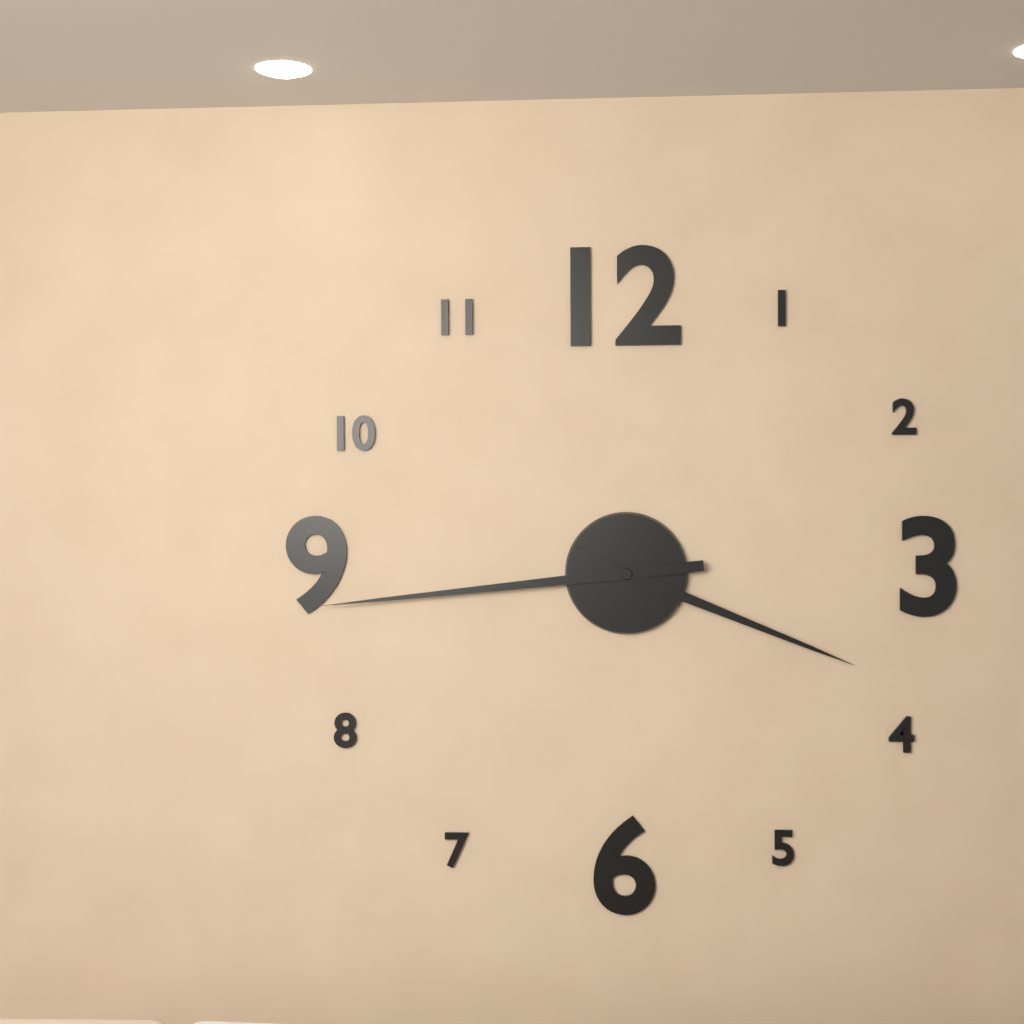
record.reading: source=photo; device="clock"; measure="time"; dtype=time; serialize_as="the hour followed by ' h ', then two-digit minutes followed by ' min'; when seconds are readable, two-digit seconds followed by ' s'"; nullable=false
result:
3 h 44 min
